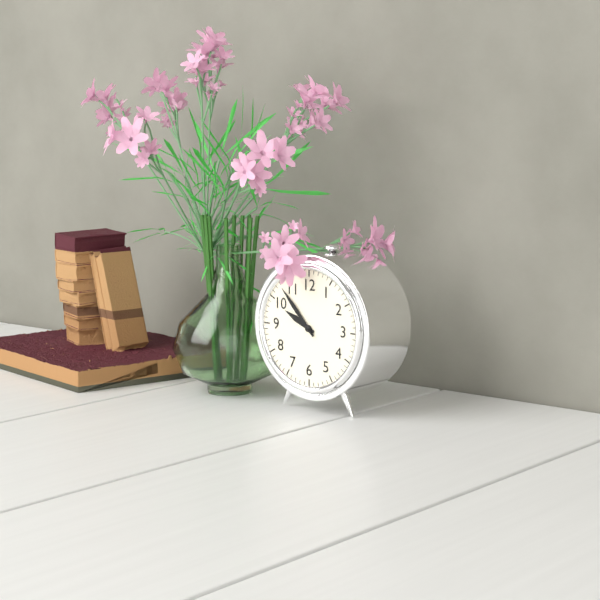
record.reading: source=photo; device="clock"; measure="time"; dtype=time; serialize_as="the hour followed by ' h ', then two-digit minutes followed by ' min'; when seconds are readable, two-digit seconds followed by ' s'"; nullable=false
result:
9 h 53 min
